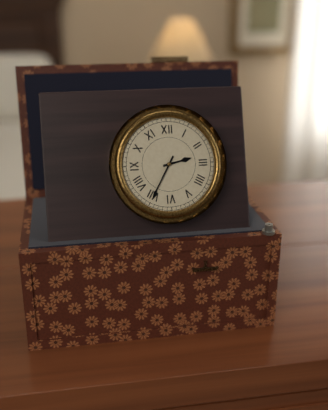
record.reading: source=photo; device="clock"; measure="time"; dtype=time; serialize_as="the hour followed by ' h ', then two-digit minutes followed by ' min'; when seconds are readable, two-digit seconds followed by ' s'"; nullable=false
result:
2 h 35 min
